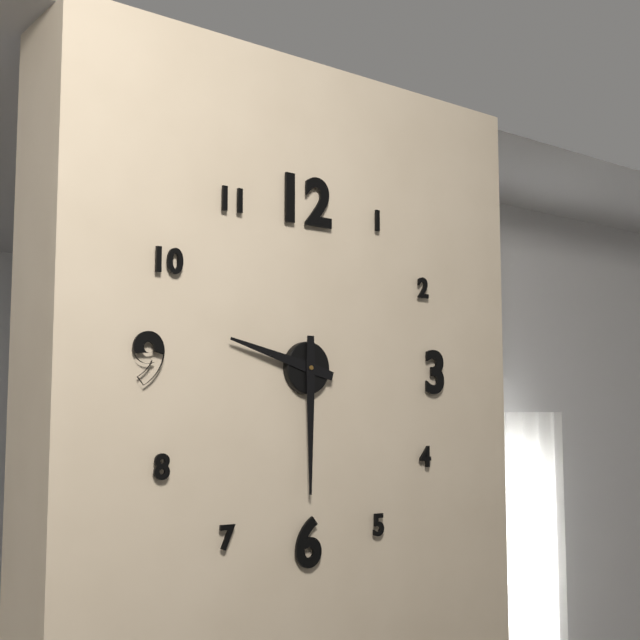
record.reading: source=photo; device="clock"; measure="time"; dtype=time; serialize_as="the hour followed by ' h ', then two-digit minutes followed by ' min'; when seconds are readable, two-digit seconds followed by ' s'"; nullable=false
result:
9 h 30 min
